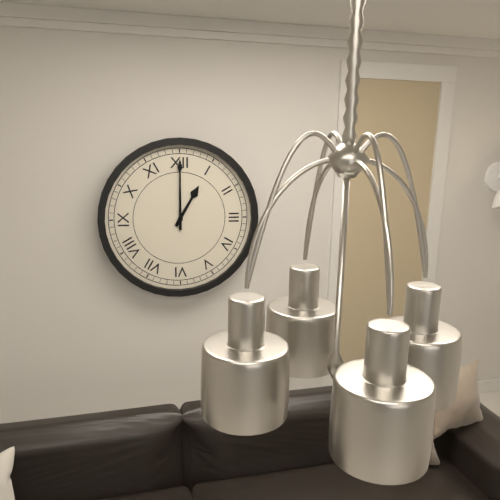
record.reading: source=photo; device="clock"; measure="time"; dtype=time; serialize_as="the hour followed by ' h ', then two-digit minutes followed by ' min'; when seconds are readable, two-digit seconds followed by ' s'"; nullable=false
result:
1 h 00 min
